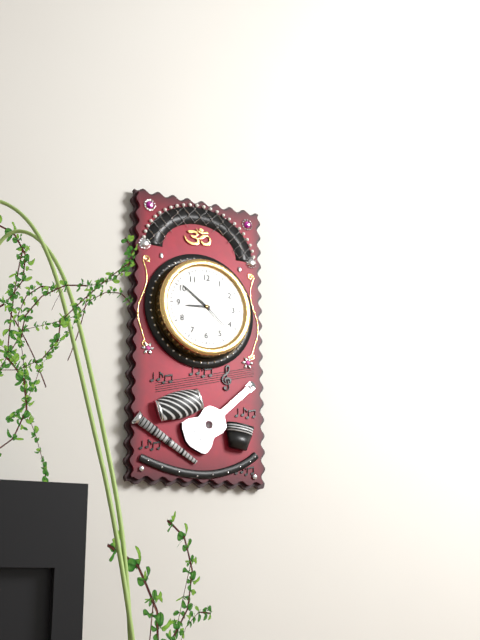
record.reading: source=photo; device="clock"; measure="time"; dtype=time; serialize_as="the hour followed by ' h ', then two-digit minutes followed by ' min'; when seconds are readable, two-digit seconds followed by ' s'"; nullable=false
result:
8 h 51 min
